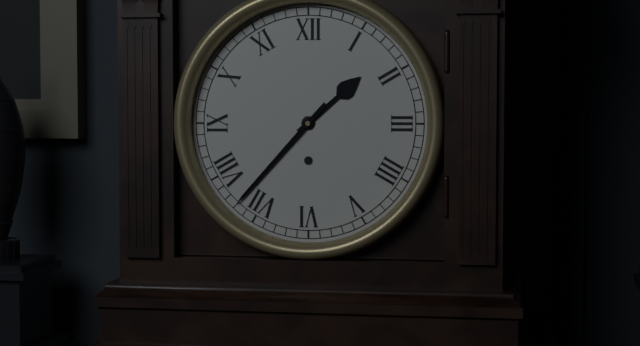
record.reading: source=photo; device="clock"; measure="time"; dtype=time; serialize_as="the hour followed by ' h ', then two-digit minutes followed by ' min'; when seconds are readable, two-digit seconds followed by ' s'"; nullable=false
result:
1 h 37 min
